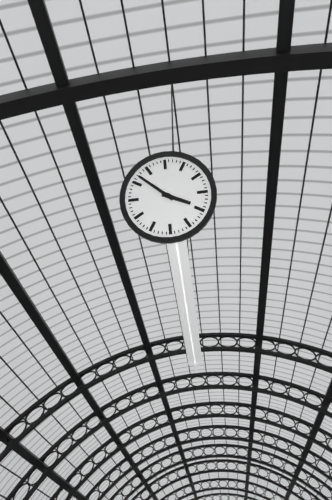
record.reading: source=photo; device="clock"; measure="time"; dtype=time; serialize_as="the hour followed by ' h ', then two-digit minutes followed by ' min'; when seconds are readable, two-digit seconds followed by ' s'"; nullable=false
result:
3 h 52 min
